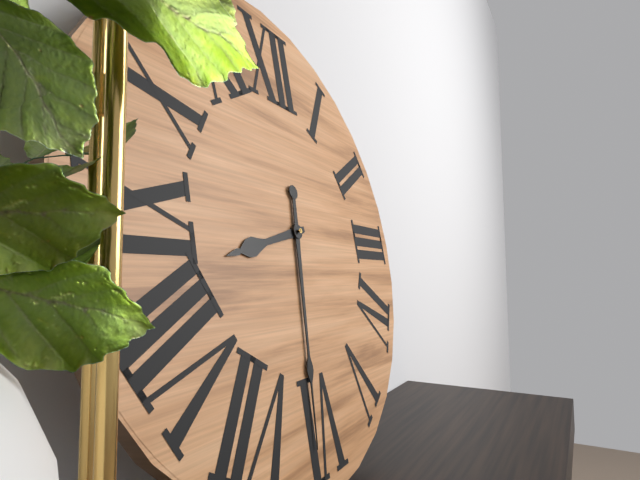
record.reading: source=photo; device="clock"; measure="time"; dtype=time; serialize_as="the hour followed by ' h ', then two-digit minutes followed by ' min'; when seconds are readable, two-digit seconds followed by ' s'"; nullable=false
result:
8 h 31 min
